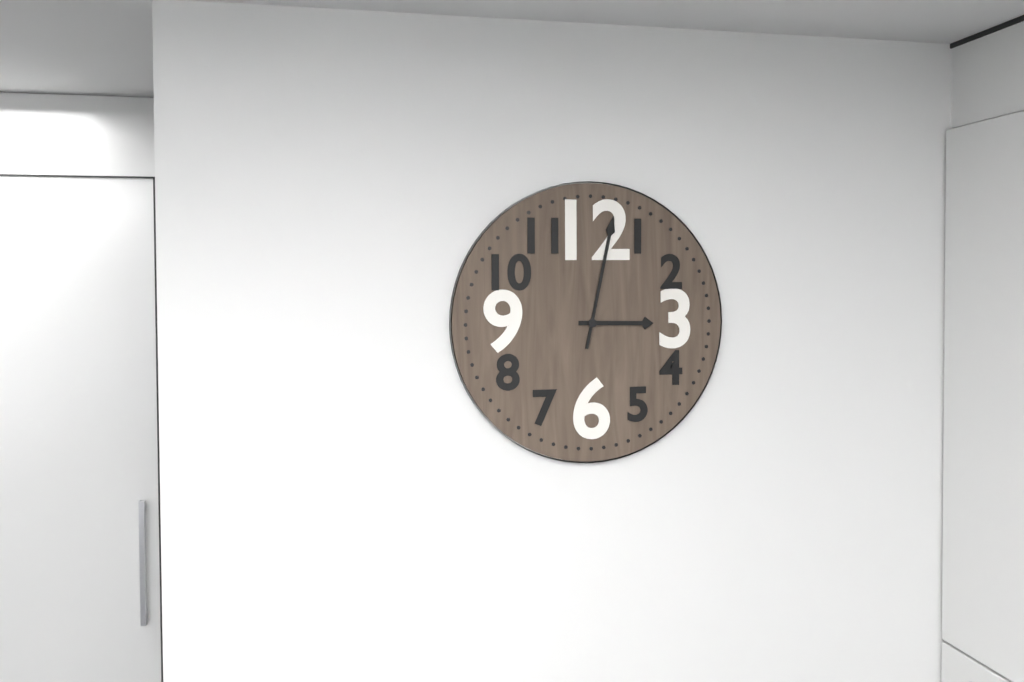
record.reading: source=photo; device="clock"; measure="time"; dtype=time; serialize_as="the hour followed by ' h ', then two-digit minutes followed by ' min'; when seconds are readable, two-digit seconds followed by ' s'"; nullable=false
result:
3 h 02 min
